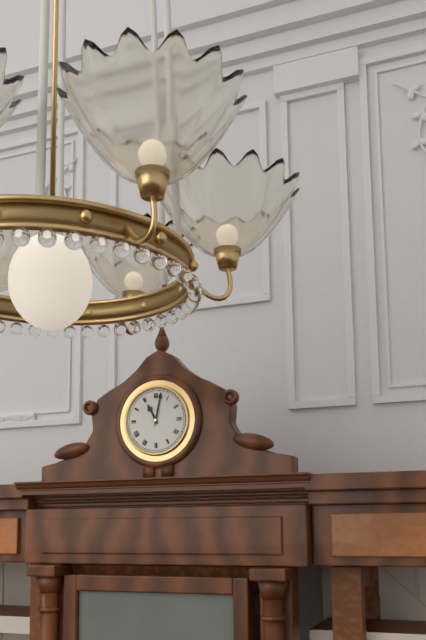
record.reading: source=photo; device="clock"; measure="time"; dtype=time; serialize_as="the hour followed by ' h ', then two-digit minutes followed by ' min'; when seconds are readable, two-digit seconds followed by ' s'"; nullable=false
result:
11 h 02 min
